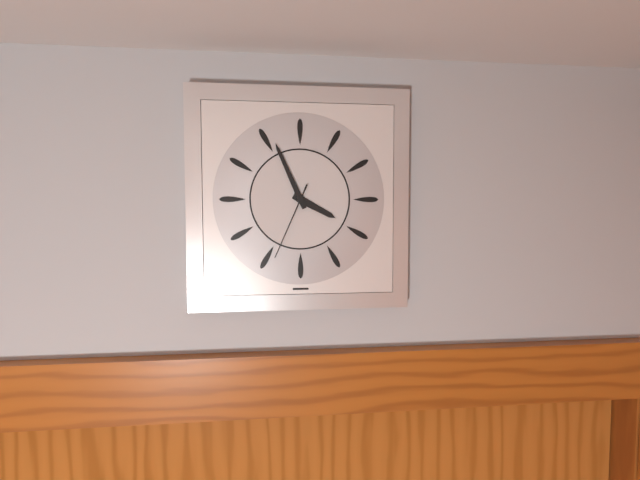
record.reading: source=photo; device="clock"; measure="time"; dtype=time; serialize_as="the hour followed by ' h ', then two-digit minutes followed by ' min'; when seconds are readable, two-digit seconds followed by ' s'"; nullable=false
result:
3 h 56 min 34 s
